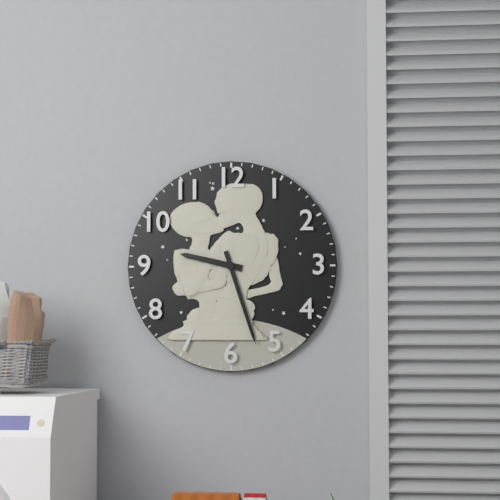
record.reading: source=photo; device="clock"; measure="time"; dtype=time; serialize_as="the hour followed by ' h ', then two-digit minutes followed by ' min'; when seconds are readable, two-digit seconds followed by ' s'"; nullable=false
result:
9 h 27 min
